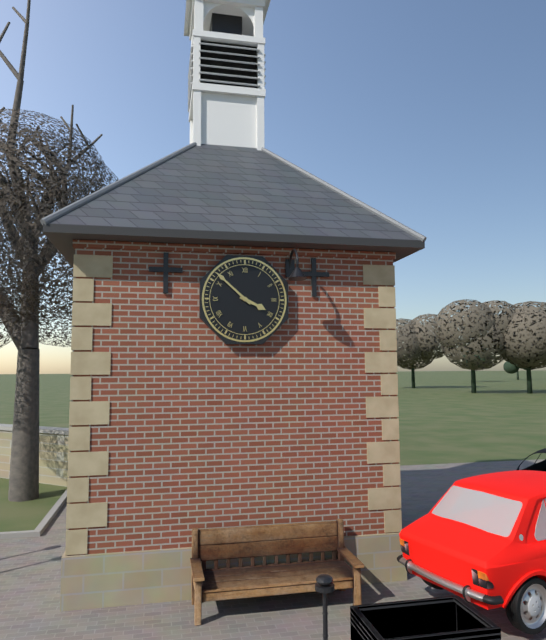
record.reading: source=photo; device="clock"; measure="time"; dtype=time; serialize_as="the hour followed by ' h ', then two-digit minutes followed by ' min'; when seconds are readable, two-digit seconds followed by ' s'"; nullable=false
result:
3 h 52 min
